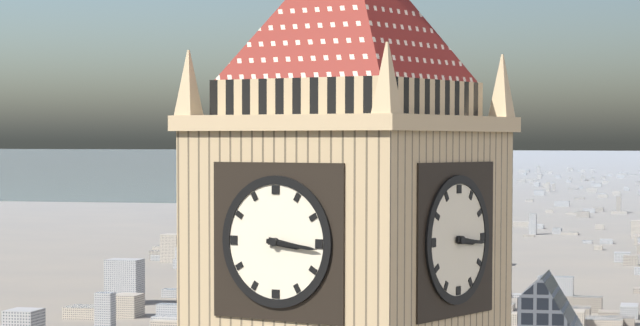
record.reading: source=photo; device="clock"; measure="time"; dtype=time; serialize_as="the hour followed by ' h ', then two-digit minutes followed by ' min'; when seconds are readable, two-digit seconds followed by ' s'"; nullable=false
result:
3 h 16 min
